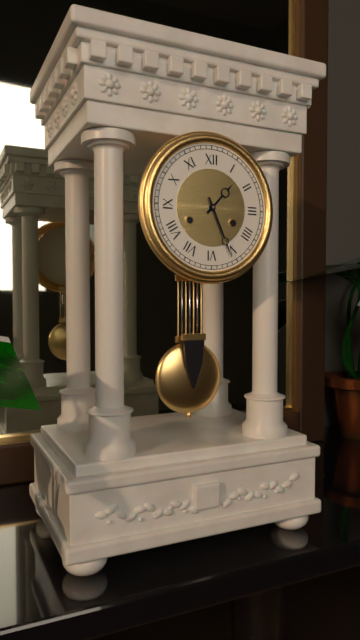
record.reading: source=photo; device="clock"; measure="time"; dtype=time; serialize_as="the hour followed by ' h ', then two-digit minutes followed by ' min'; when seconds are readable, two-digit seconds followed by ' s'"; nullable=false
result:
1 h 26 min
